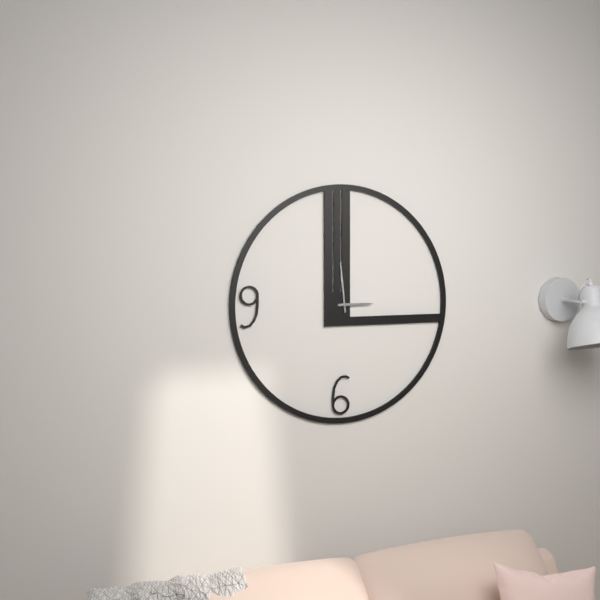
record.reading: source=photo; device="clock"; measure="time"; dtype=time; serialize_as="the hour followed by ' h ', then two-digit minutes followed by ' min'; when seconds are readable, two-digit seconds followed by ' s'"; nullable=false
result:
2 h 59 min
